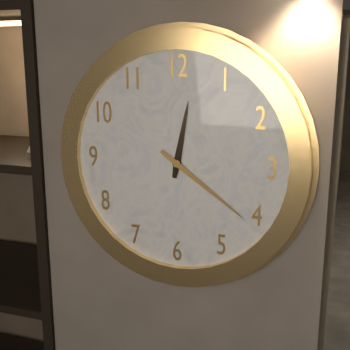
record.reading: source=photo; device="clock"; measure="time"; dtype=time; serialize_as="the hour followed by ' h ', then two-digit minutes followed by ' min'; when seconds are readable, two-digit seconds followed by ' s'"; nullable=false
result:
12 h 21 min
